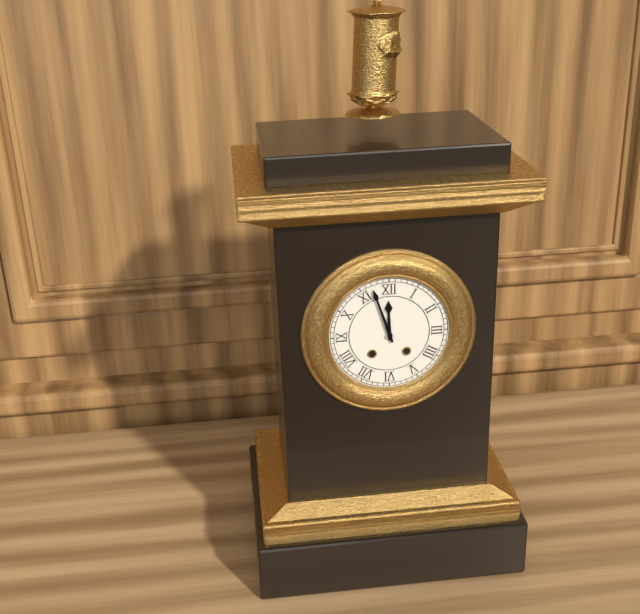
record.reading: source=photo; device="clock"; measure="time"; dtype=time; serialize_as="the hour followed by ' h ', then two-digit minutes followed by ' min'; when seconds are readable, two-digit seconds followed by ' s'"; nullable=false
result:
11 h 57 min
